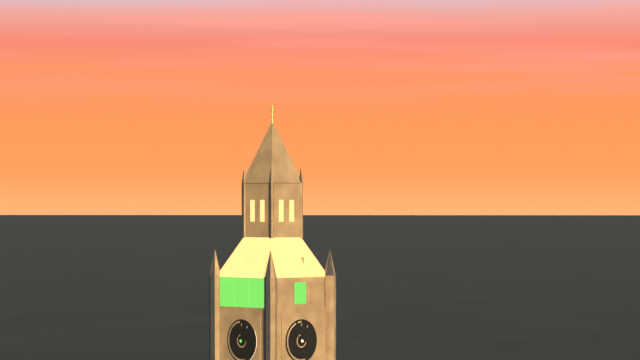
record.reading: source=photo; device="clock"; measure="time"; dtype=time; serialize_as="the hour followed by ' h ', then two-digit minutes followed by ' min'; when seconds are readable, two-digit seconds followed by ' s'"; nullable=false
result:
11 h 52 min
